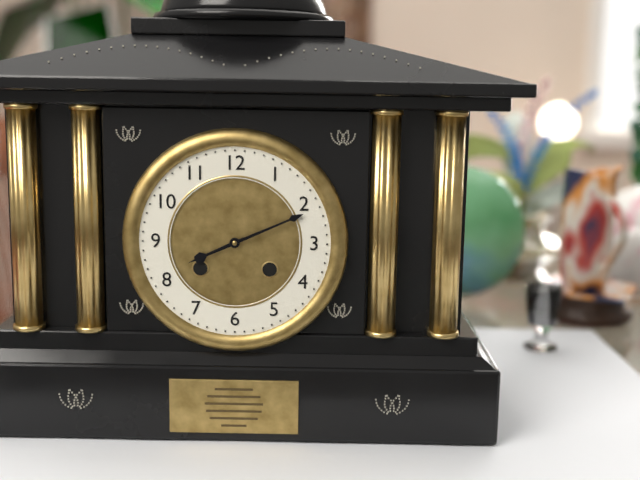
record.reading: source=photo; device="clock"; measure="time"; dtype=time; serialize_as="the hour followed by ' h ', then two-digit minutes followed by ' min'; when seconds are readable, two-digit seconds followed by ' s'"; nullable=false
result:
8 h 11 min
